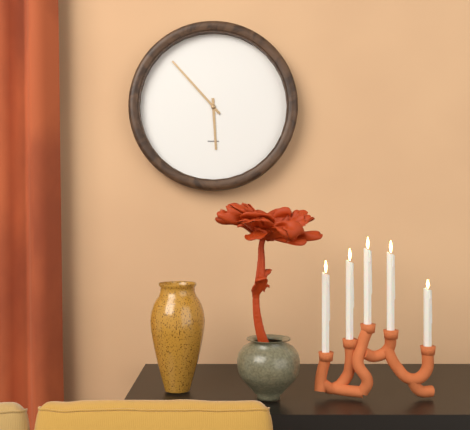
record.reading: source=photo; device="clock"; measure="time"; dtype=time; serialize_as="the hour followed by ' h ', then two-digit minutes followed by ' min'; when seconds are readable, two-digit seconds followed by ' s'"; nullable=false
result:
5 h 53 min
